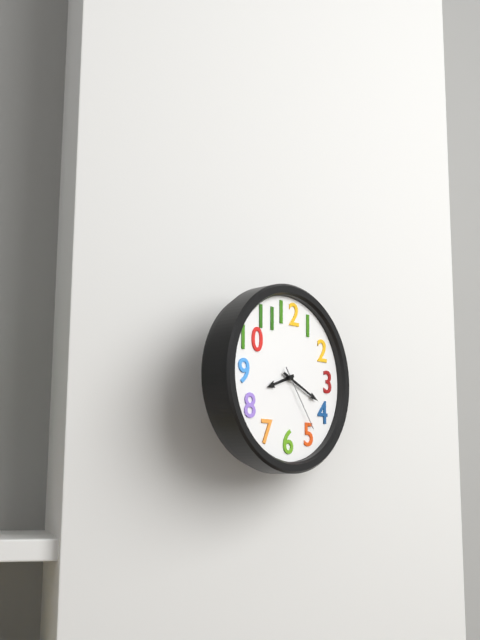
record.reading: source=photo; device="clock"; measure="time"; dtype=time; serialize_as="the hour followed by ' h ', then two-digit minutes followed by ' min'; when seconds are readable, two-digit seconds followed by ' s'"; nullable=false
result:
8 h 19 min 24 s
